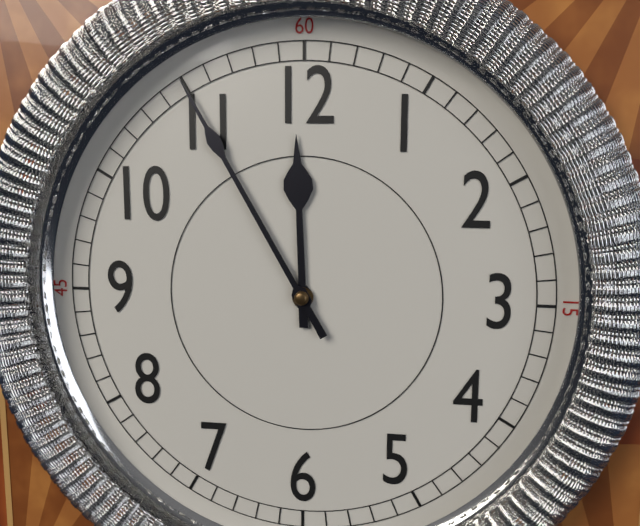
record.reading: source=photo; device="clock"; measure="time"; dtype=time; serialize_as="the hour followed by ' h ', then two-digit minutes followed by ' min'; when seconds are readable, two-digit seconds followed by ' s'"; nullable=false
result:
11 h 55 min
